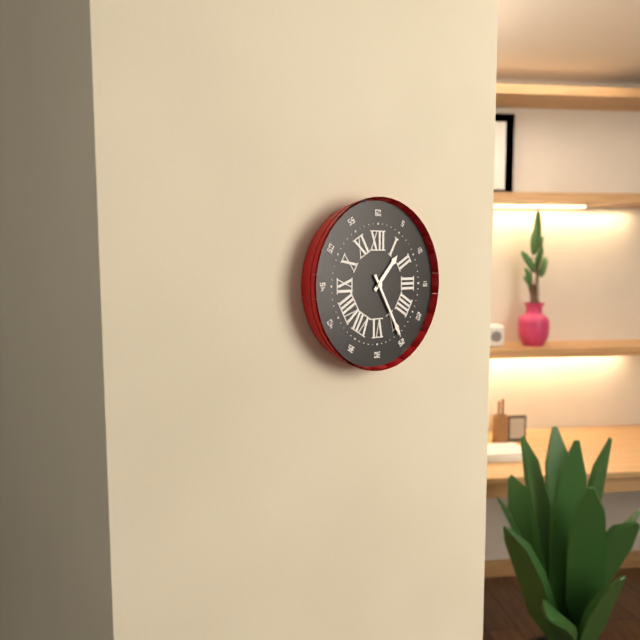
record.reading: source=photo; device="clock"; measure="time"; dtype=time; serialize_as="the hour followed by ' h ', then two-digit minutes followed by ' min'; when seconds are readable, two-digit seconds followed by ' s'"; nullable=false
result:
1 h 25 min
